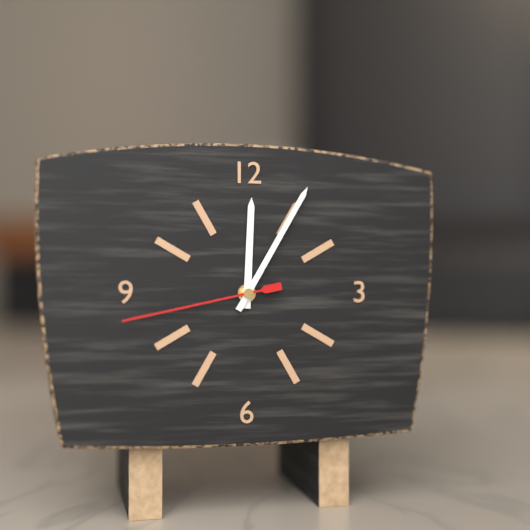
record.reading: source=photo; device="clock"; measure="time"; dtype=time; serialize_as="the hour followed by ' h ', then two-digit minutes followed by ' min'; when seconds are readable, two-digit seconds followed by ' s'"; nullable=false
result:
12 h 05 min 43 s
